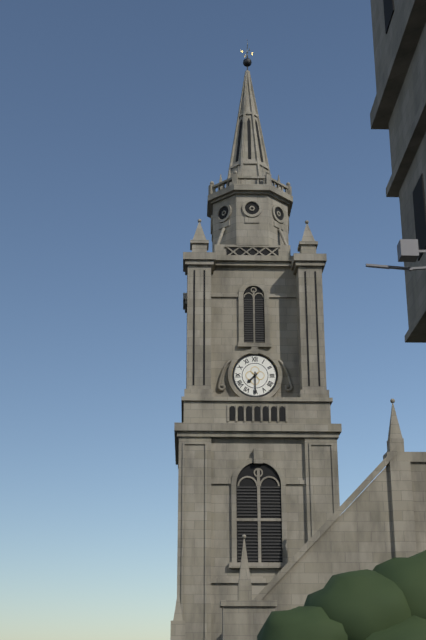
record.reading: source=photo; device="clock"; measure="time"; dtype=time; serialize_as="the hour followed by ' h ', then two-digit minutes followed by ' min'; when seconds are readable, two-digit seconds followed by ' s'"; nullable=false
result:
7 h 30 min
